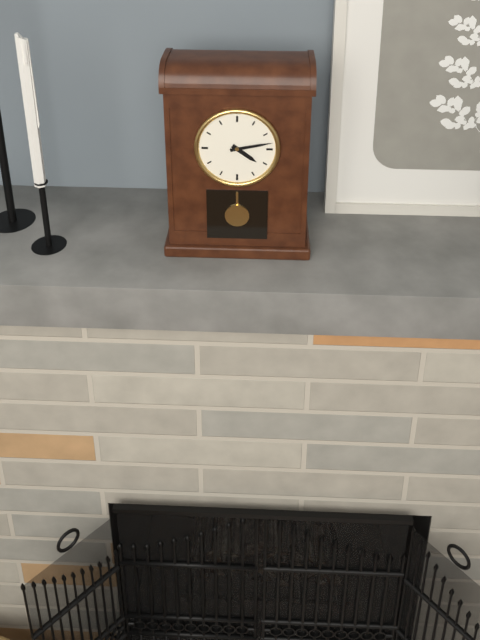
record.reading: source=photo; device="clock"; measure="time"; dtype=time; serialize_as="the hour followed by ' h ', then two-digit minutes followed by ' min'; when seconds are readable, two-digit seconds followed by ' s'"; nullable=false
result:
4 h 13 min
